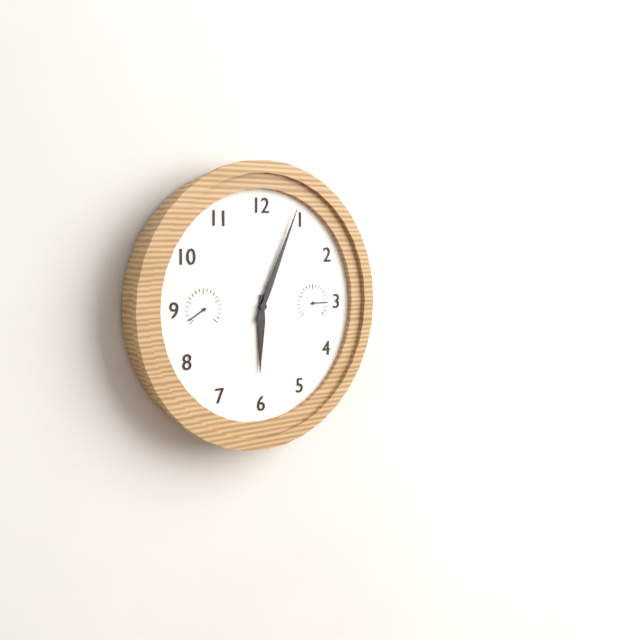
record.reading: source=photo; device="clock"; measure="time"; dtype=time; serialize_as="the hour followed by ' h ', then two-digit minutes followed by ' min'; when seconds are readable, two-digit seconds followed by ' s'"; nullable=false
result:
6 h 04 min
